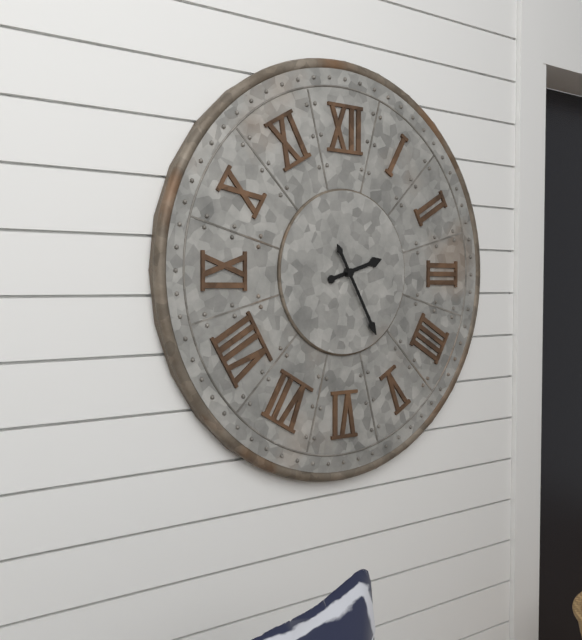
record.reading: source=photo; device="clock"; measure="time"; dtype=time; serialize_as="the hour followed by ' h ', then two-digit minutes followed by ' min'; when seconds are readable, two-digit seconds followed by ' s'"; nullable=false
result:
2 h 25 min
